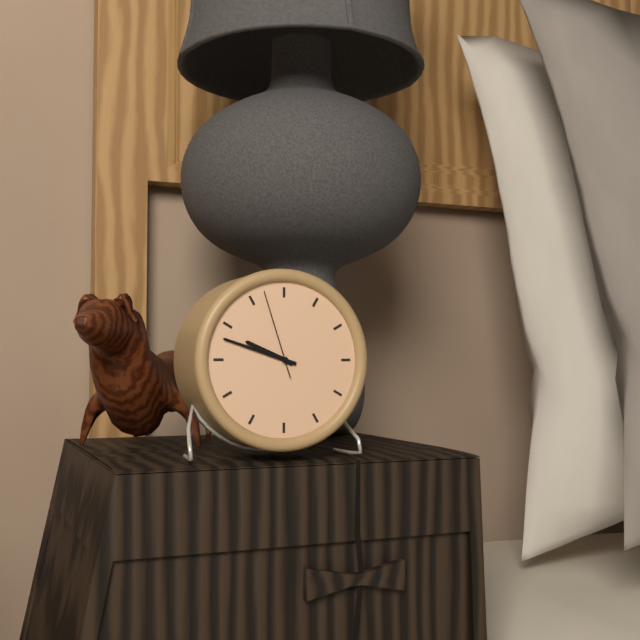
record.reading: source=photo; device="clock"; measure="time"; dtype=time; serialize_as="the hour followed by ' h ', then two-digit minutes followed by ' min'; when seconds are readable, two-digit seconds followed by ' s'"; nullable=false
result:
9 h 48 min 57 s
